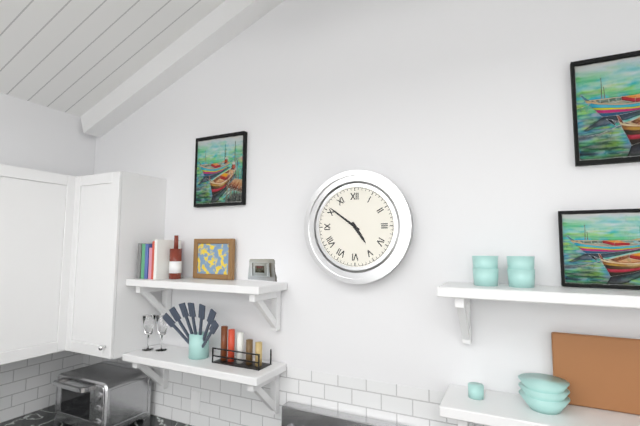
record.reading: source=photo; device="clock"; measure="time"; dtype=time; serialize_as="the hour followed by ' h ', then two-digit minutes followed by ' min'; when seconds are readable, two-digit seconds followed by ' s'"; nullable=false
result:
4 h 51 min
